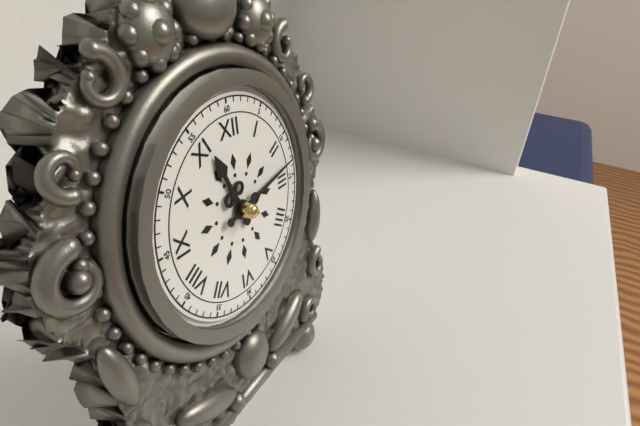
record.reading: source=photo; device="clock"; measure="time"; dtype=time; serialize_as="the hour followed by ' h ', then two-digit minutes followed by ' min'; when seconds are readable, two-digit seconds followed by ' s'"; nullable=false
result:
11 h 13 min
